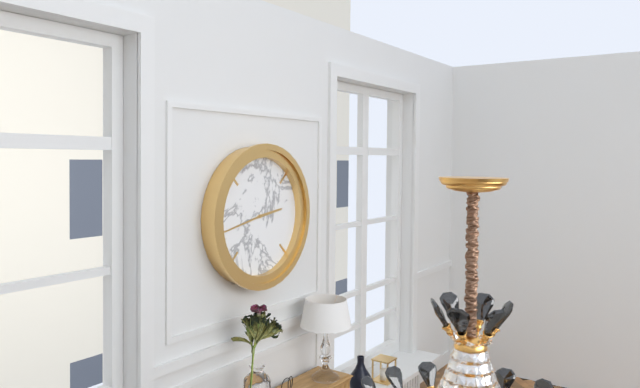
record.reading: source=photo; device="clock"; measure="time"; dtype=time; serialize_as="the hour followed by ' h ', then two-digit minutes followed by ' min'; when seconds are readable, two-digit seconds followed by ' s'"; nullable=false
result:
2 h 43 min
